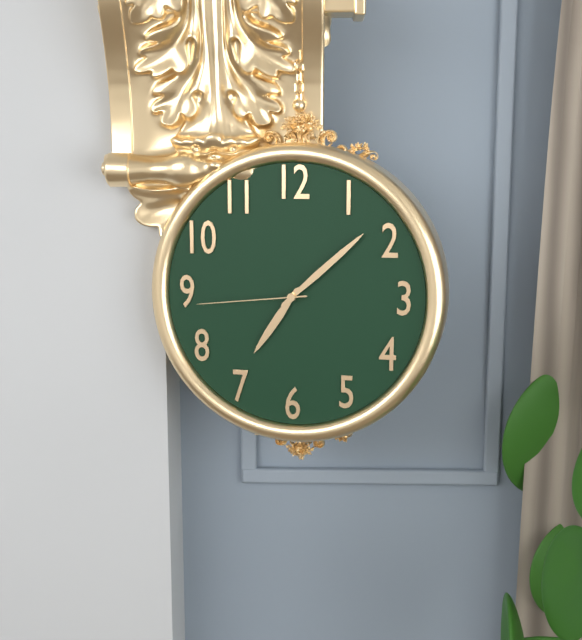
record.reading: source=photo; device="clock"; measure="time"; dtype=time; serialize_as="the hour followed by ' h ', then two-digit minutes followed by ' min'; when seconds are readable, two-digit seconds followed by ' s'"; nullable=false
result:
7 h 08 min 44 s
